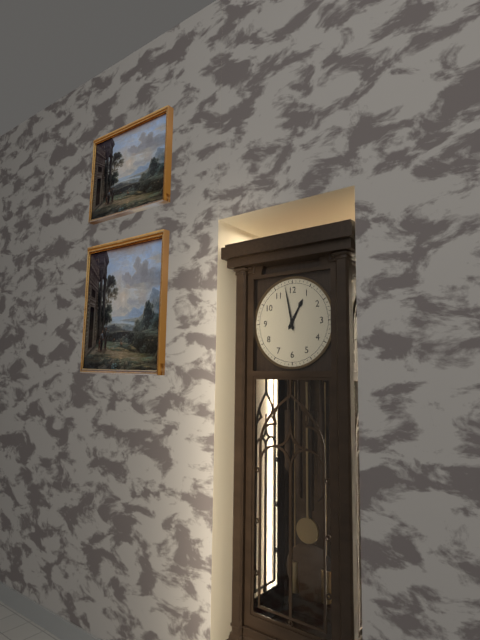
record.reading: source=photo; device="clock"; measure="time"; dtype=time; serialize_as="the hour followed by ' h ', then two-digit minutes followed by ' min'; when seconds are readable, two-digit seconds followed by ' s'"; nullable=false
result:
12 h 58 min
